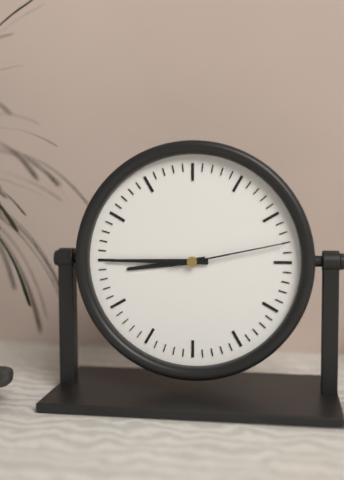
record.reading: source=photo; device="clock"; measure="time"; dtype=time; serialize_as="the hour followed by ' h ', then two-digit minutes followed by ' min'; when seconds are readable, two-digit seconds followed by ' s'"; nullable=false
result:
8 h 45 min 13 s
